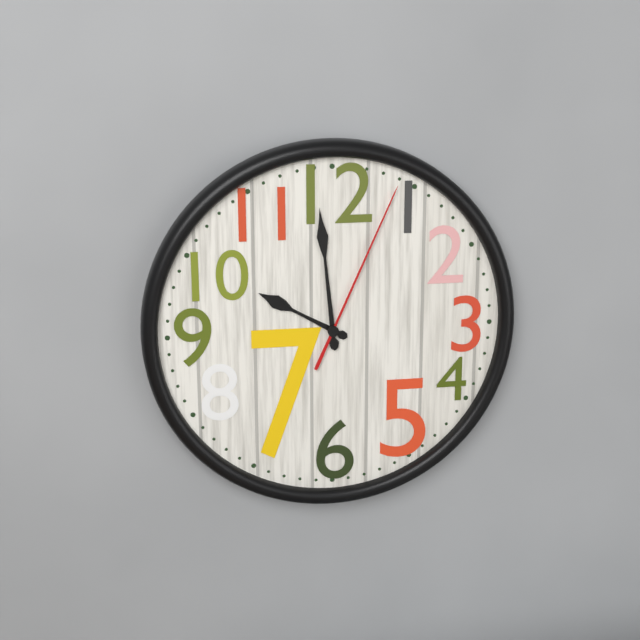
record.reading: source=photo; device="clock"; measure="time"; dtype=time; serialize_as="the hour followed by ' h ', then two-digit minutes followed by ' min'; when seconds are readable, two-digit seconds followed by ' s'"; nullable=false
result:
9 h 59 min 04 s
